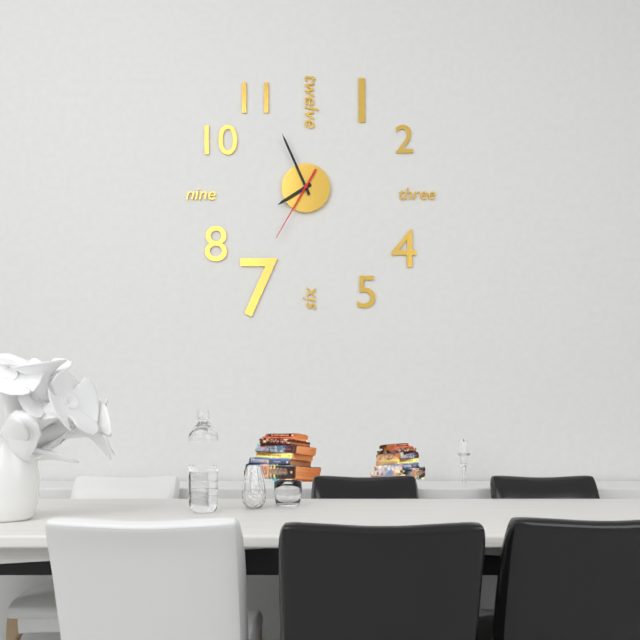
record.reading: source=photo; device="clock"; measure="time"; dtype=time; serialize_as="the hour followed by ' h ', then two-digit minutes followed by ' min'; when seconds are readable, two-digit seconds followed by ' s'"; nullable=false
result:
7 h 56 min 35 s
